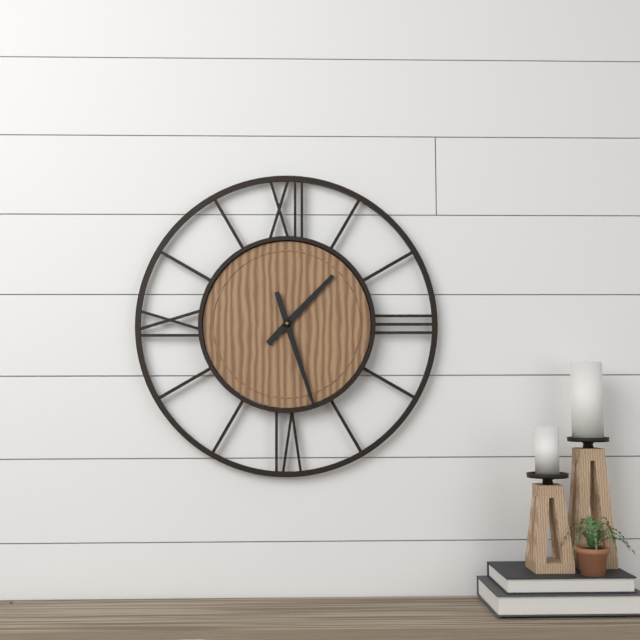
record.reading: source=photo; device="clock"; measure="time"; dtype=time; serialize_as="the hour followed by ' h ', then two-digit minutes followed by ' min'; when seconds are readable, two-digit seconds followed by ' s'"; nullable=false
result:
1 h 27 min
